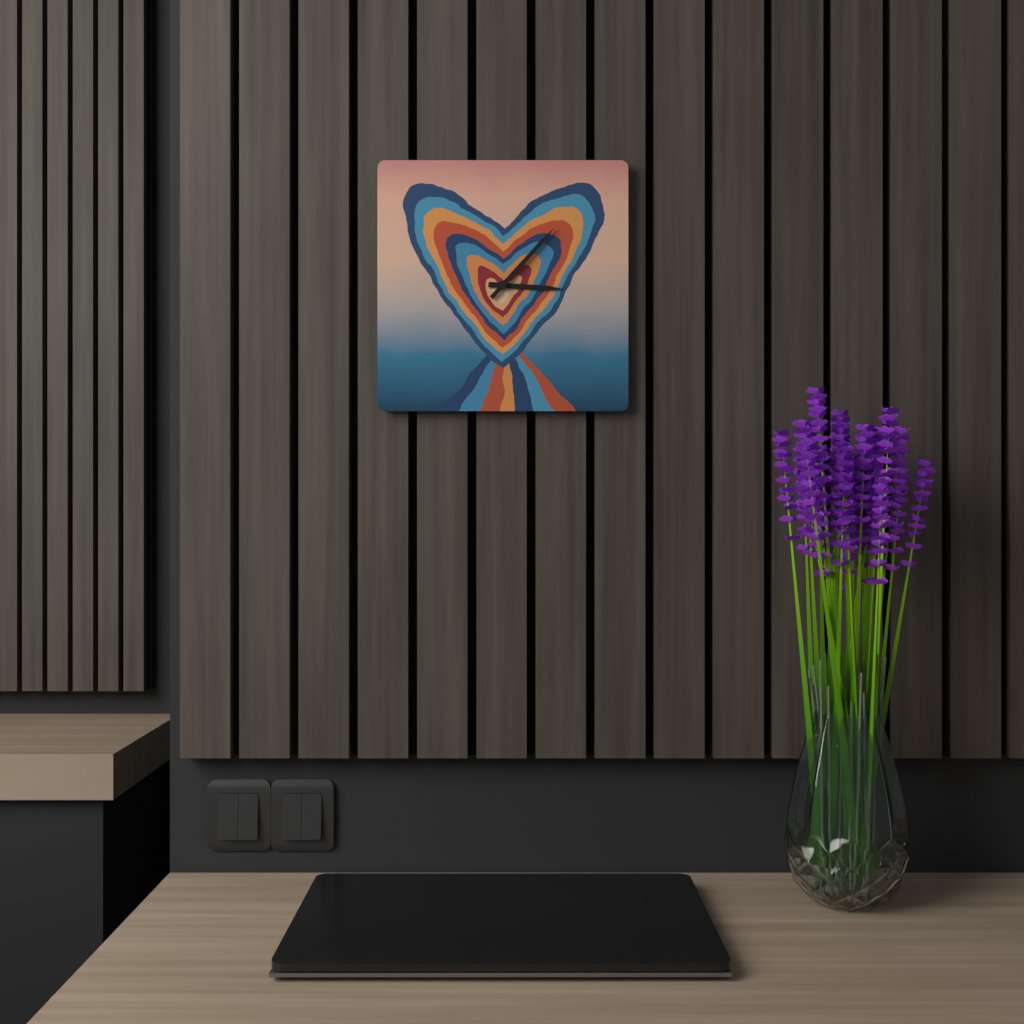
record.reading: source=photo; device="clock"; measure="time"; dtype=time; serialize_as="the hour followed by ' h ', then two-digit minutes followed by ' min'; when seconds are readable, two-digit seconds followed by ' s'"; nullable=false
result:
3 h 07 min
